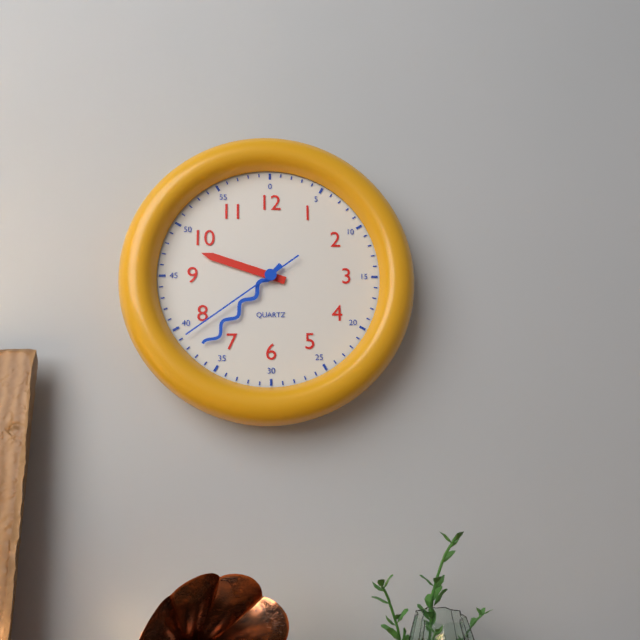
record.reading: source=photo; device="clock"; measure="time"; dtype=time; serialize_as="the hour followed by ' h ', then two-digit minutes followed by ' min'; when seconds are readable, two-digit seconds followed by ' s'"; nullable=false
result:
9 h 37 min 39 s
